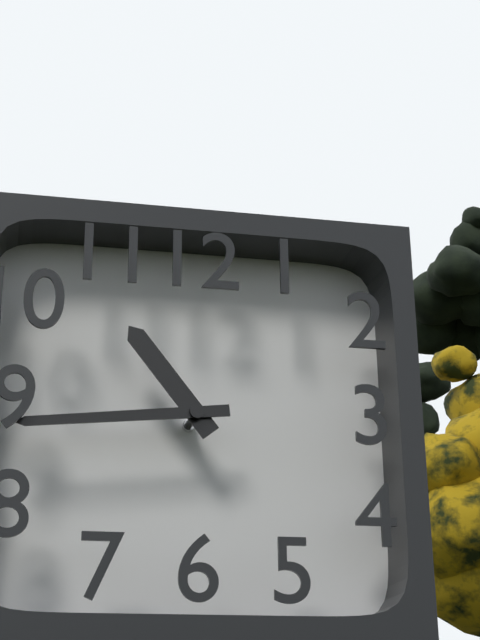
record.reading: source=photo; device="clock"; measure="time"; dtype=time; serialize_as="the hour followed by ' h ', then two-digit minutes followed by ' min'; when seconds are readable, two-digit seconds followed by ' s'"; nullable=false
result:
10 h 44 min
